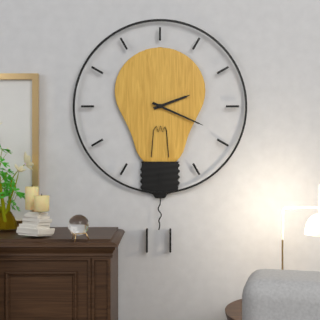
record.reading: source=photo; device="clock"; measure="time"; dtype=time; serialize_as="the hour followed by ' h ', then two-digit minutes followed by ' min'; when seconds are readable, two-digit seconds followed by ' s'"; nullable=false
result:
2 h 19 min
